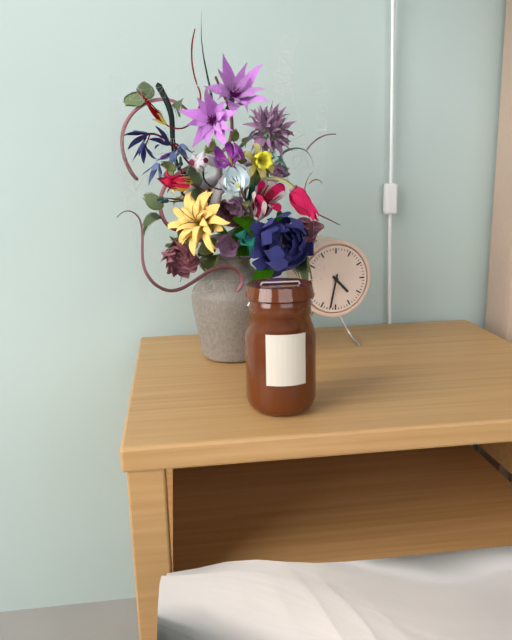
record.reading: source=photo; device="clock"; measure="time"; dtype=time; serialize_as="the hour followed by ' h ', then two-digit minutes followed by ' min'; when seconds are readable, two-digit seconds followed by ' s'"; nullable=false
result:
4 h 32 min
